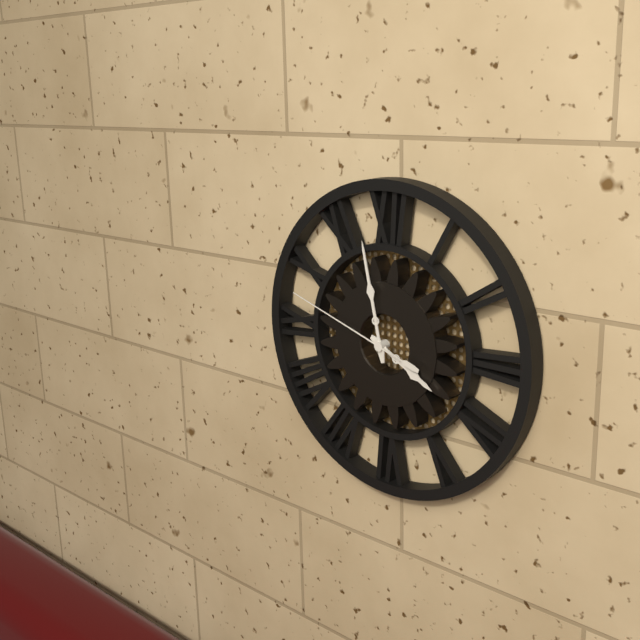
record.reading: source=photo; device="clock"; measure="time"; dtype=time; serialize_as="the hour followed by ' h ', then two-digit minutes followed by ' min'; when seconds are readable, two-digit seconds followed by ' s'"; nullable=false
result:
3 h 58 min 48 s
